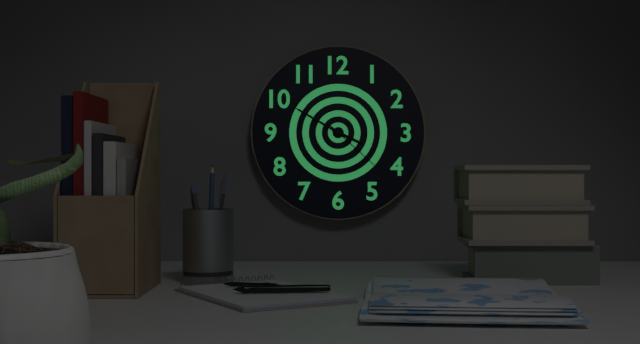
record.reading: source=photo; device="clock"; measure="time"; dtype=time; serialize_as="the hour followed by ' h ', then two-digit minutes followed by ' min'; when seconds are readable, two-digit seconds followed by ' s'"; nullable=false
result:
3 h 50 min 22 s
